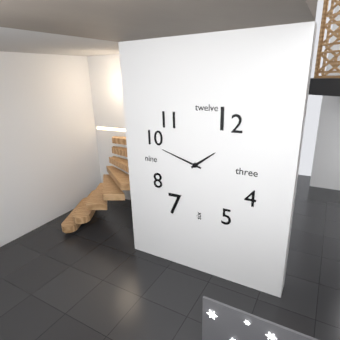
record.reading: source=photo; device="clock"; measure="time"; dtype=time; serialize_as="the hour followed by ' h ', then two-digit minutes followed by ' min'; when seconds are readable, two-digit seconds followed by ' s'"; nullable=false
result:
1 h 48 min
